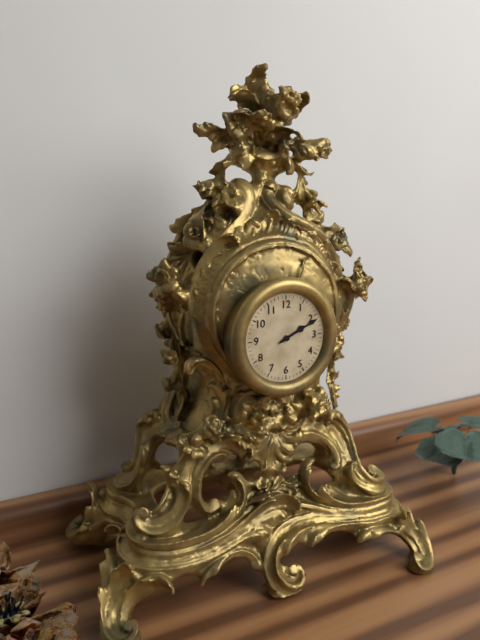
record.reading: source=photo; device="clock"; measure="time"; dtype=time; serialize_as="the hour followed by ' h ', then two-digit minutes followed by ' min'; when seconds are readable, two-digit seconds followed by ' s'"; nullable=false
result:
2 h 11 min
